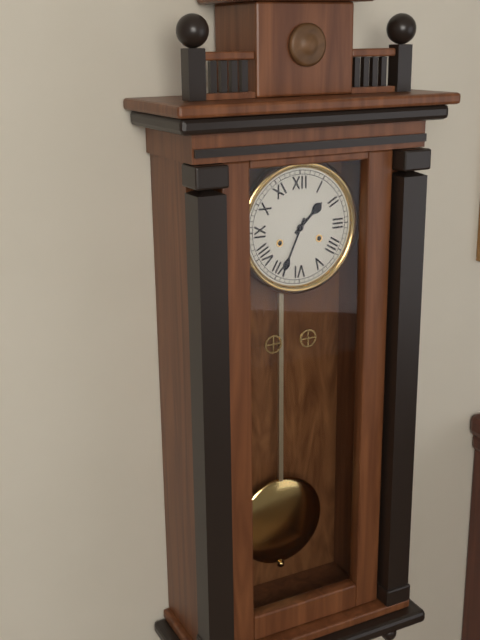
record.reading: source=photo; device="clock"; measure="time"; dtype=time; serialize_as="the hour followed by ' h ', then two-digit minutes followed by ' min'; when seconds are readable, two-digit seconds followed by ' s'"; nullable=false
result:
1 h 34 min
